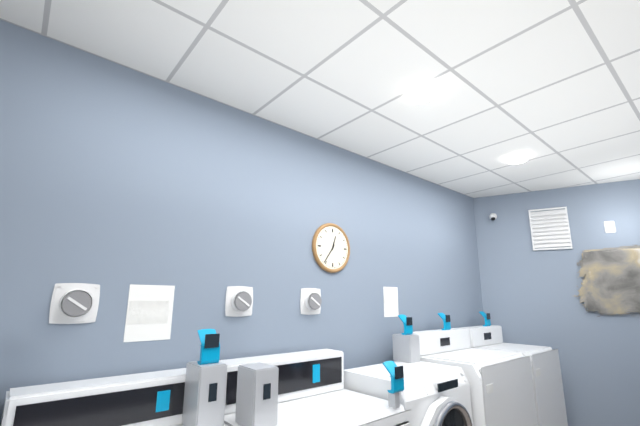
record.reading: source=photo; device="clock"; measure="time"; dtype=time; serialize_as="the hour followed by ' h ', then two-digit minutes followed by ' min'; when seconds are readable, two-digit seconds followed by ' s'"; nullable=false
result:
12 h 36 min
